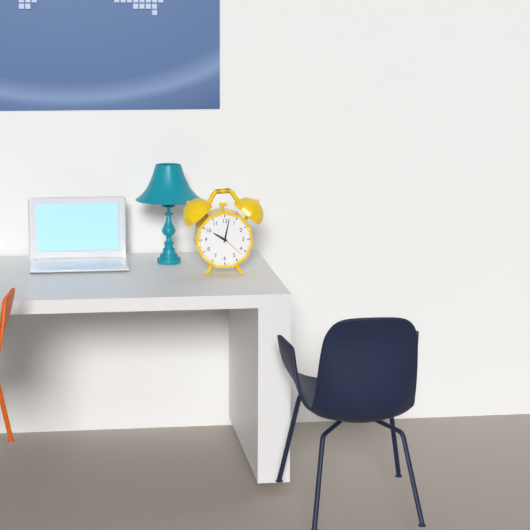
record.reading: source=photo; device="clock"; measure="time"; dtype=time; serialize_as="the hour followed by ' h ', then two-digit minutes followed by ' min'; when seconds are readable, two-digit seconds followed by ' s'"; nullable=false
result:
10 h 02 min
